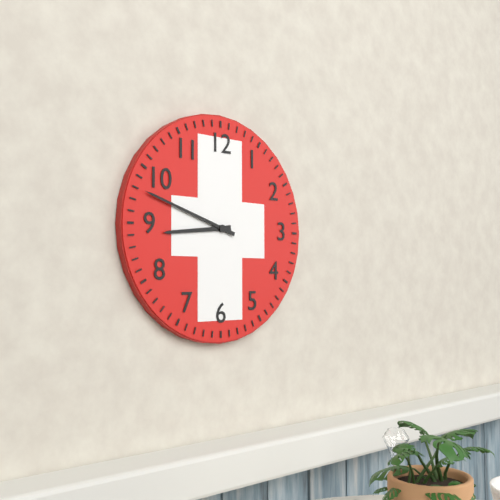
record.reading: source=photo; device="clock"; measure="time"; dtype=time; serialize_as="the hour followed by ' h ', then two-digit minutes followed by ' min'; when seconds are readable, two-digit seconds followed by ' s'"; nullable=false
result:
8 h 48 min
